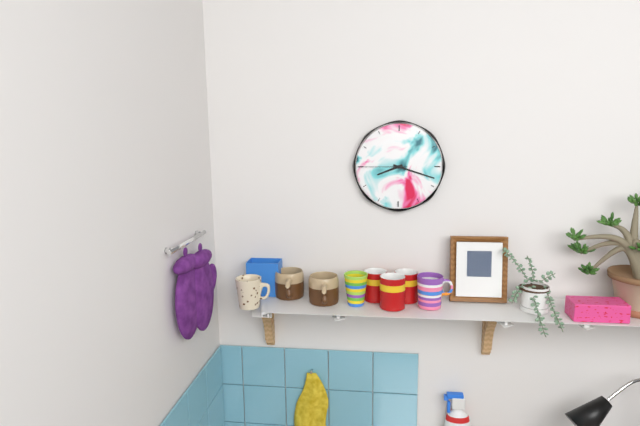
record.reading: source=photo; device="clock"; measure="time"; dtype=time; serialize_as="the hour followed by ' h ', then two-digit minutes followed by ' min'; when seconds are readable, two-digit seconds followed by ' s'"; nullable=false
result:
8 h 18 min
